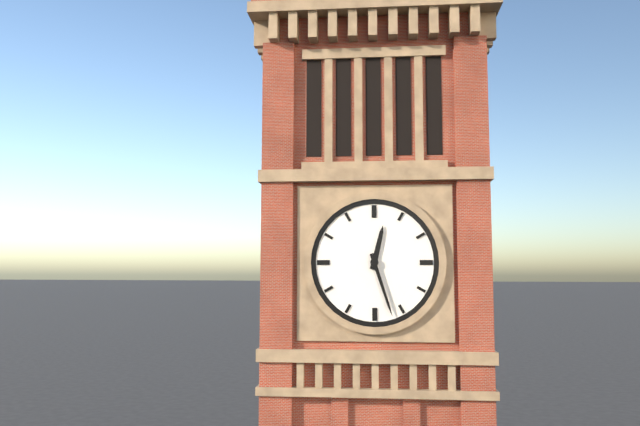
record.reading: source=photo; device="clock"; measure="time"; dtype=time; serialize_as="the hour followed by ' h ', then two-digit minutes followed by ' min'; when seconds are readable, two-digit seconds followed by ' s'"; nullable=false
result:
12 h 27 min
